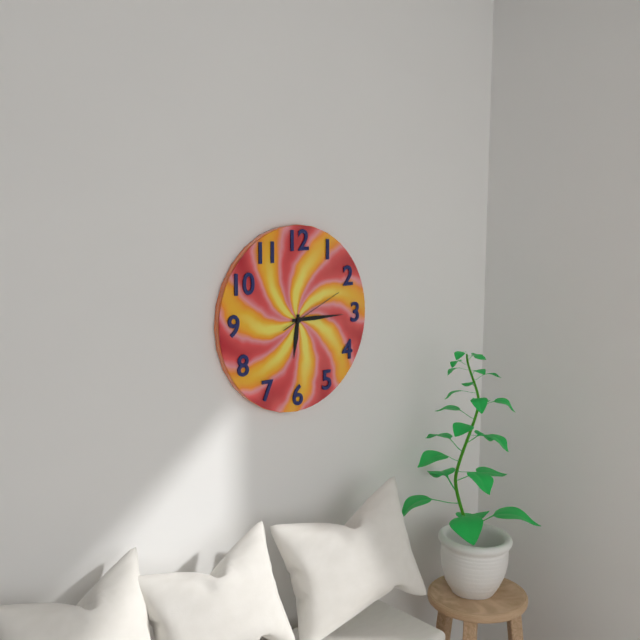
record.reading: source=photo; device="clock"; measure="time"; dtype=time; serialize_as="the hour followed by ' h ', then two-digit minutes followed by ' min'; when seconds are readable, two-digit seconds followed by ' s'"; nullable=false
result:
6 h 15 min 11 s
